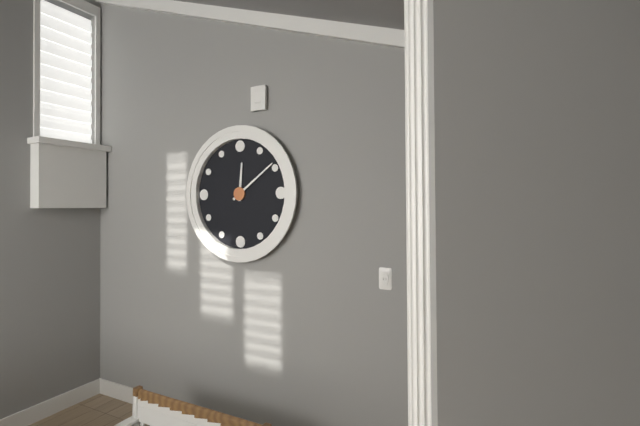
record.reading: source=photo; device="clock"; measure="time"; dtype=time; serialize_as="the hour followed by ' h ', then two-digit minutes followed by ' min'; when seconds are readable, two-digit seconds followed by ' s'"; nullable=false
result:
12 h 09 min
